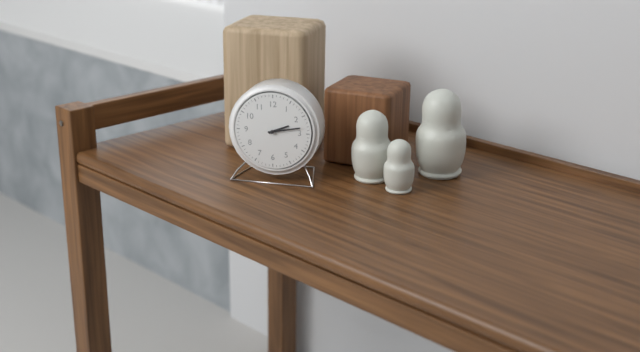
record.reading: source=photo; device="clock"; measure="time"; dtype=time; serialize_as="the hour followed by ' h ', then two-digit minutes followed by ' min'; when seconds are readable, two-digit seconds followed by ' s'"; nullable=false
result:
2 h 13 min
